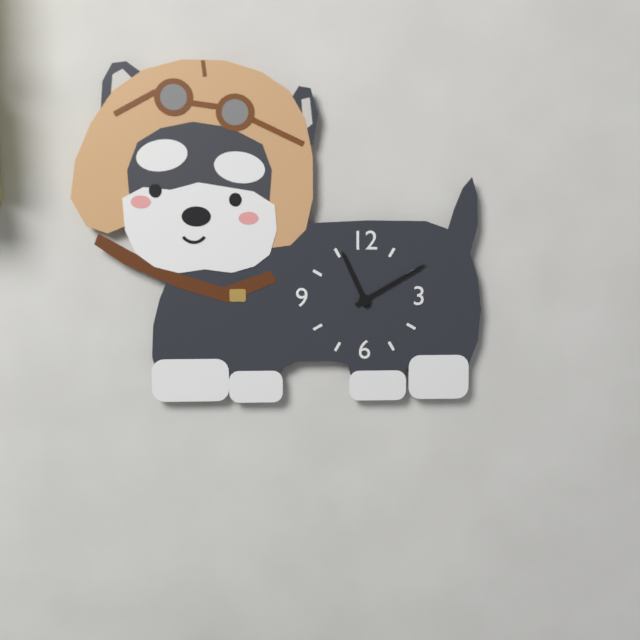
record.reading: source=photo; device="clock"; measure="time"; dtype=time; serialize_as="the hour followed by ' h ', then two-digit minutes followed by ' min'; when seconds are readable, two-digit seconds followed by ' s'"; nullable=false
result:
11 h 10 min
